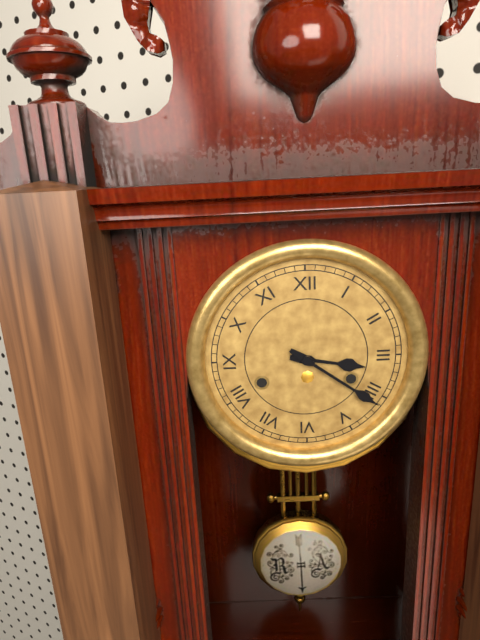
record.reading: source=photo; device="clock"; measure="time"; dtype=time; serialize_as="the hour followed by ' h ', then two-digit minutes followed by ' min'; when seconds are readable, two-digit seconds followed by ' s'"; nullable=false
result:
3 h 21 min
